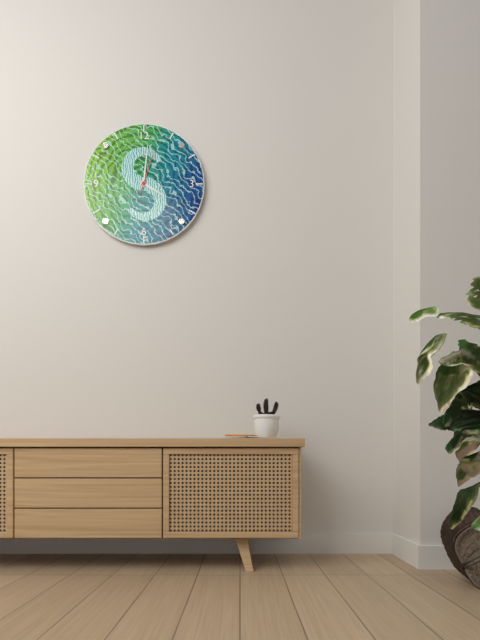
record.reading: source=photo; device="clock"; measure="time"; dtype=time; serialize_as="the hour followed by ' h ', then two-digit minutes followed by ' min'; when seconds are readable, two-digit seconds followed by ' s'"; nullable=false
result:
4 h 01 min
